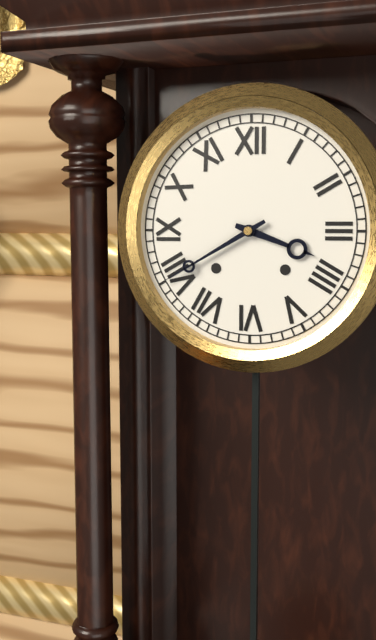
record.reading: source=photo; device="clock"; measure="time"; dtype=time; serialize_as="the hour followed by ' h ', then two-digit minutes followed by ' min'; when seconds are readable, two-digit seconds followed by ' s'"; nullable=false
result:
3 h 40 min
